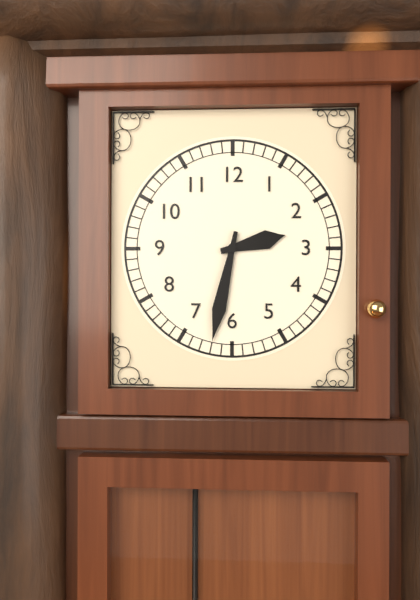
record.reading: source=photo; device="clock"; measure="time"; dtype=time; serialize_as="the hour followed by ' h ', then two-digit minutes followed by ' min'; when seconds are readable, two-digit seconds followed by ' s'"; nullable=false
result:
2 h 32 min
